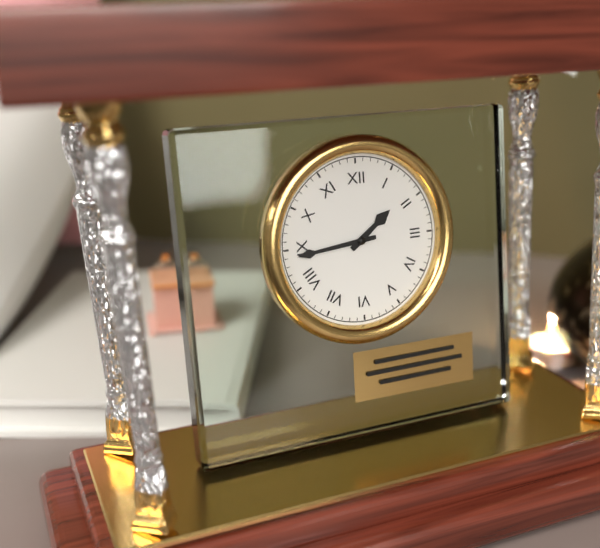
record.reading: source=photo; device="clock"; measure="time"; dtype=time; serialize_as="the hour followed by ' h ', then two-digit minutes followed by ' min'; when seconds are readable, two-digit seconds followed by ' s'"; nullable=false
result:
1 h 44 min
